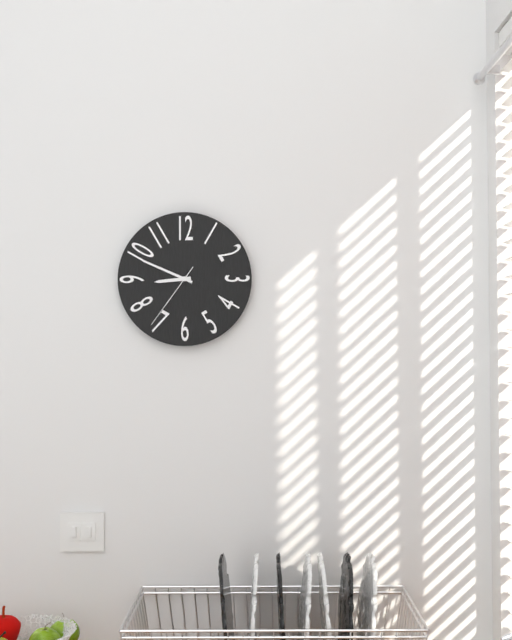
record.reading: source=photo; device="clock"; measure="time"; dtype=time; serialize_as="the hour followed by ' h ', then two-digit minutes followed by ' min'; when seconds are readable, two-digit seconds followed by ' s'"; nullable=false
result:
8 h 49 min 36 s
